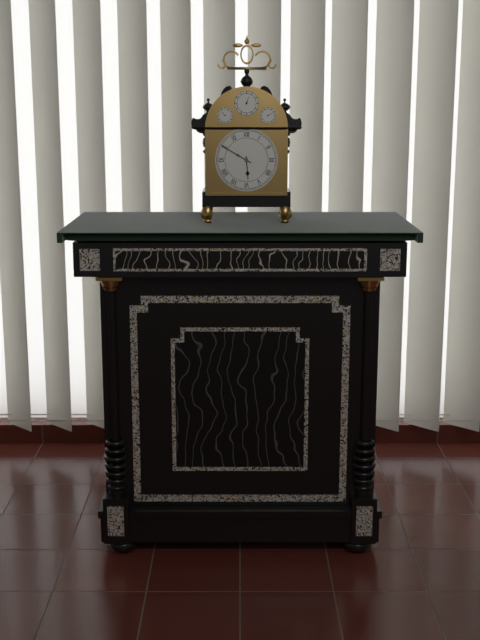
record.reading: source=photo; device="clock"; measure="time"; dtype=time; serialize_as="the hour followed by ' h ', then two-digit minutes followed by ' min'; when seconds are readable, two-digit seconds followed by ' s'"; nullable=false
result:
5 h 50 min
